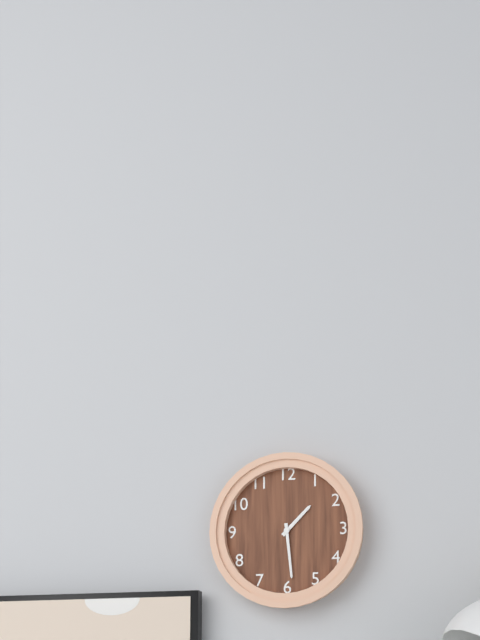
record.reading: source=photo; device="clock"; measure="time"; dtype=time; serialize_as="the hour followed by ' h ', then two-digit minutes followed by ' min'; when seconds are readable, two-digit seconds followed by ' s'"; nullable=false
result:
1 h 29 min
